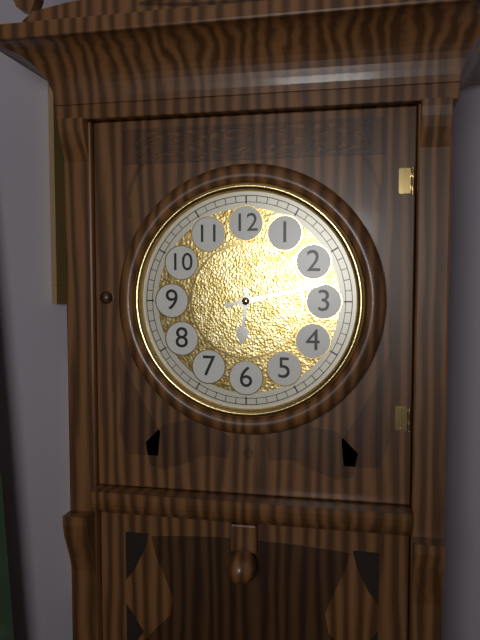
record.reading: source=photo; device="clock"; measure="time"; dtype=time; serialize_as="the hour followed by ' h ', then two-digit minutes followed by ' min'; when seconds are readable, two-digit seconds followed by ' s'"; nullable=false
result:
6 h 13 min
